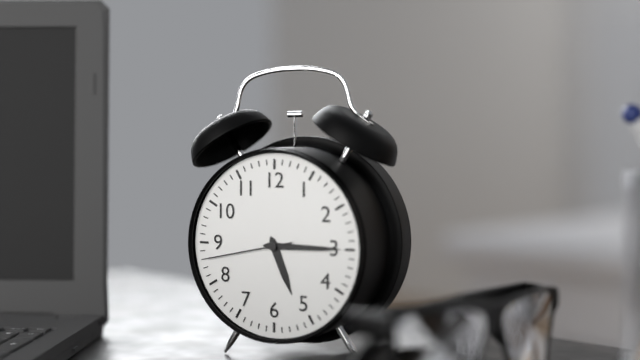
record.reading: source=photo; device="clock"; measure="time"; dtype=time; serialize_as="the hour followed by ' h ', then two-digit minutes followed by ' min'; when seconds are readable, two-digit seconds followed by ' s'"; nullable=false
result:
5 h 15 min 43 s
